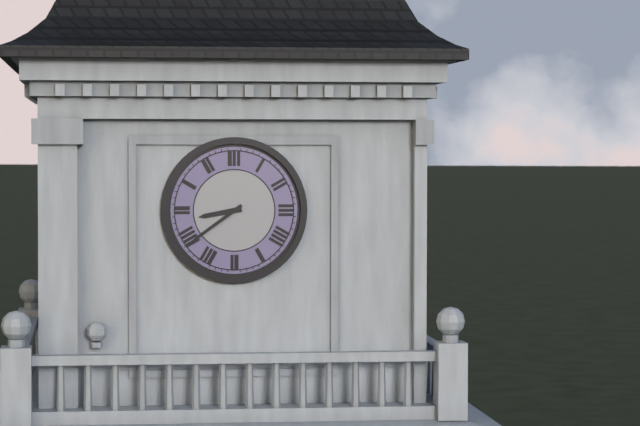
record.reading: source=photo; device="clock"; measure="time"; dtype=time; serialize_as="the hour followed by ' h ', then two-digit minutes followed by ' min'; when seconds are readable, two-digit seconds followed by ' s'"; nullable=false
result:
8 h 39 min
